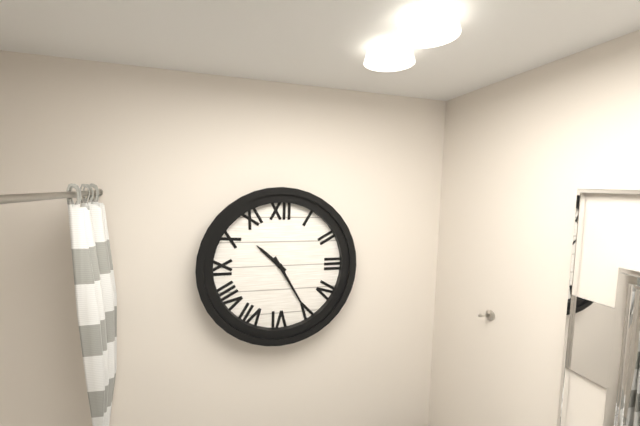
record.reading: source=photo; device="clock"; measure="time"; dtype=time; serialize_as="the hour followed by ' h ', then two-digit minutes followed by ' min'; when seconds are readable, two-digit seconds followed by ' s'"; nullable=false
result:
10 h 25 min
